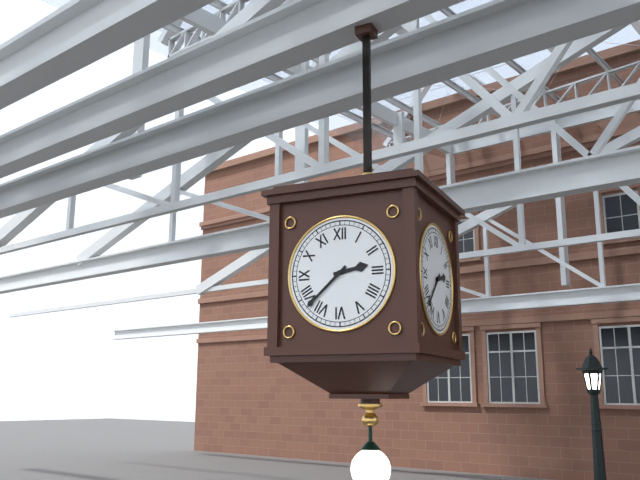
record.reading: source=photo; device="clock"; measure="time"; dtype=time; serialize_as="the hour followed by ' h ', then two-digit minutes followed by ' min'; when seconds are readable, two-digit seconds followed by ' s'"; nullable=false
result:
2 h 38 min
